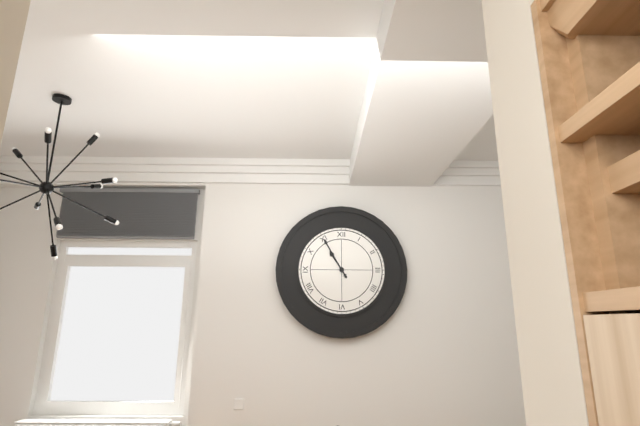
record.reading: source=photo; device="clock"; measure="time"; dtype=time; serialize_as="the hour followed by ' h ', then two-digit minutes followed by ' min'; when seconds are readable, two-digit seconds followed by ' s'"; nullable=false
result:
10 h 55 min
